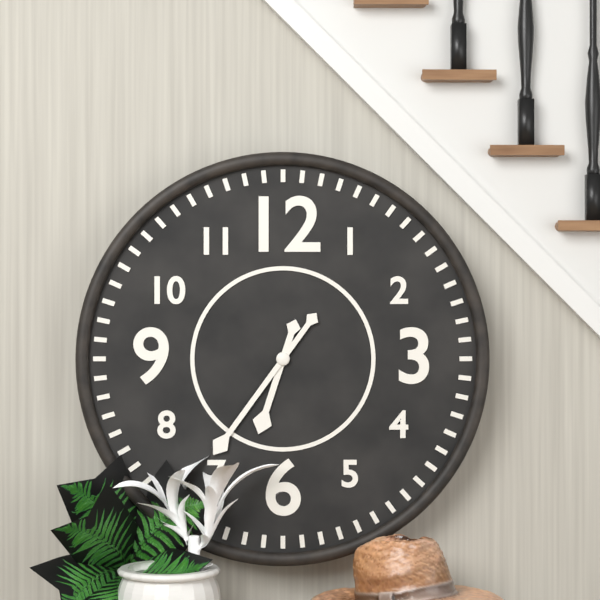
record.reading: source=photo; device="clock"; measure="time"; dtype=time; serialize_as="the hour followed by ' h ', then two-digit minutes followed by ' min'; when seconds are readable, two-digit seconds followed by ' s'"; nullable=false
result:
6 h 36 min
